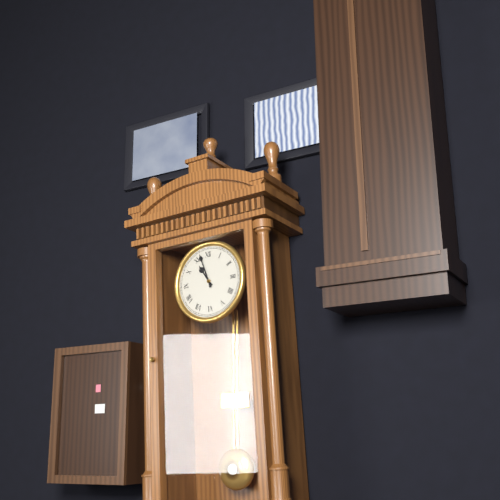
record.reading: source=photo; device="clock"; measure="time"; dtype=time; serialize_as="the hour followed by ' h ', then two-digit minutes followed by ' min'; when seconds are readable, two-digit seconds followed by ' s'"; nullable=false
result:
10 h 57 min
